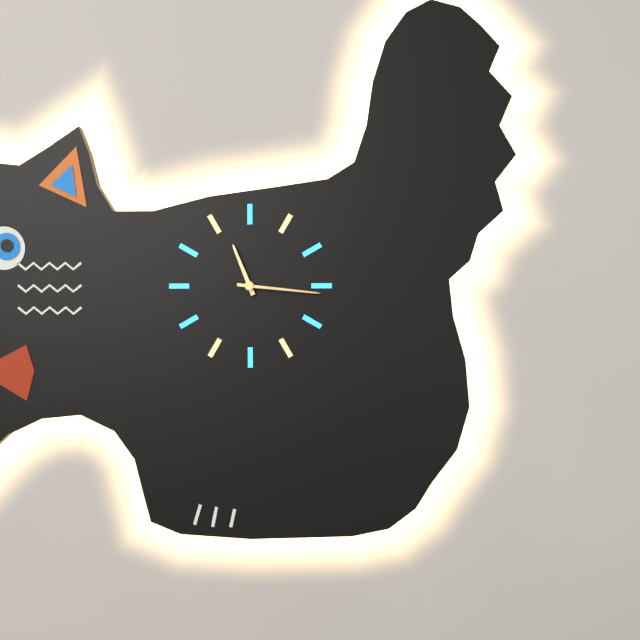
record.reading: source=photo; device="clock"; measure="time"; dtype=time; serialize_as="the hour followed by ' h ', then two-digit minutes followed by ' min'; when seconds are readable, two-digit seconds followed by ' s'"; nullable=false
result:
11 h 16 min
